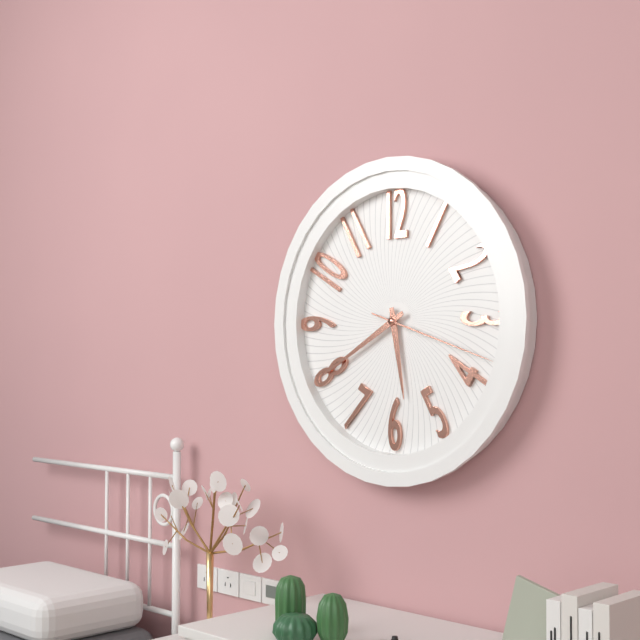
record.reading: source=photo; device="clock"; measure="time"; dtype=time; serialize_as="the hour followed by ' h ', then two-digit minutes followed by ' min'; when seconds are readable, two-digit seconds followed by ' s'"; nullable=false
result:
5 h 40 min 18 s
